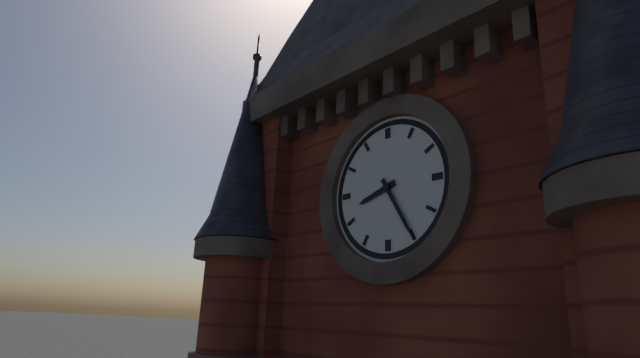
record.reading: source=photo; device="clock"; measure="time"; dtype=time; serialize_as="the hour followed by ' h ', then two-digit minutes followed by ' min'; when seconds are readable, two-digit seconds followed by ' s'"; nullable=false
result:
8 h 25 min
